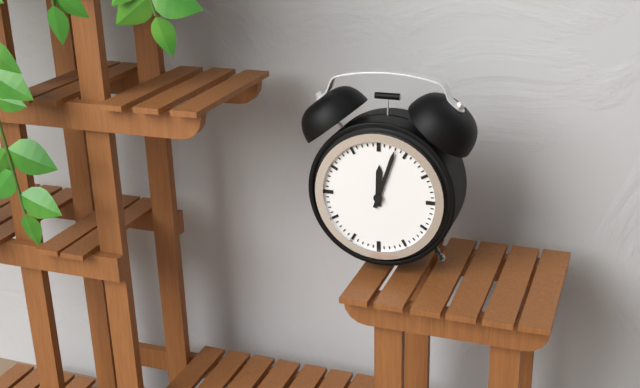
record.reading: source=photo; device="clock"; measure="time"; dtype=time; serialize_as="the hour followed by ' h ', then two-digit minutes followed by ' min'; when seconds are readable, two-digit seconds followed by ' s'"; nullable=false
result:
12 h 03 min
